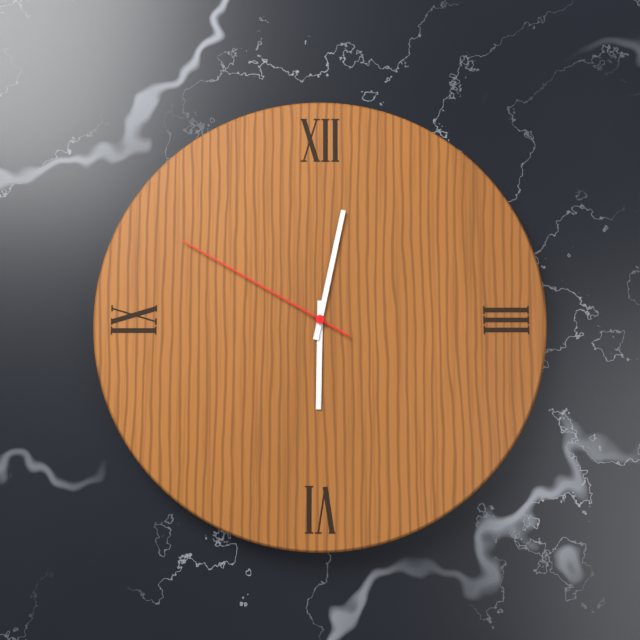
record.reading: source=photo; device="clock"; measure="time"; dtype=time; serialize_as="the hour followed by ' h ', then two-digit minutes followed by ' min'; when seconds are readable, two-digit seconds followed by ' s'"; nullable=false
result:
6 h 02 min 50 s
